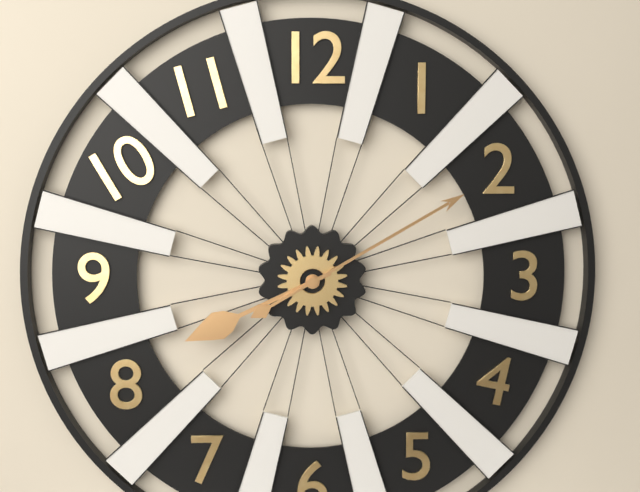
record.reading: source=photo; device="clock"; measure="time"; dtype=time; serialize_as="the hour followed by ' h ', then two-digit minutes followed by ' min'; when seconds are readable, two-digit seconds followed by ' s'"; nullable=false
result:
8 h 10 min
